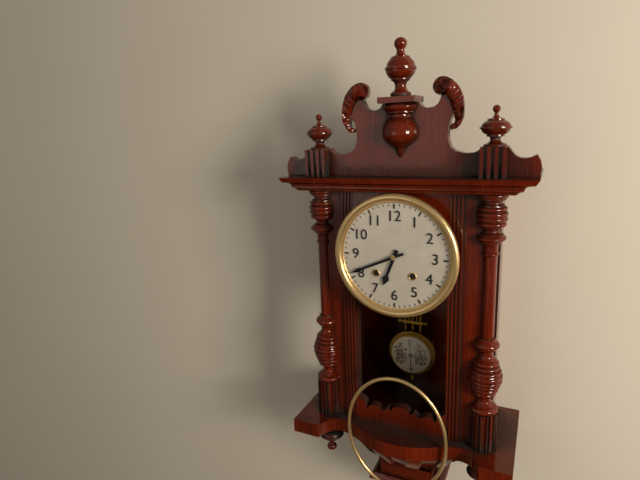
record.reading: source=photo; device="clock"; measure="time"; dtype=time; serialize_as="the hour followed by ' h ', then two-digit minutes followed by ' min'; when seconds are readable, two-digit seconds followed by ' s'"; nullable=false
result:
6 h 41 min
